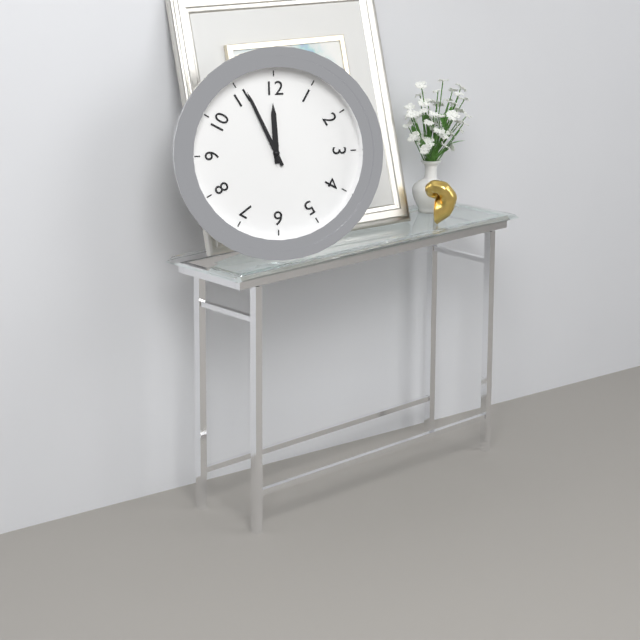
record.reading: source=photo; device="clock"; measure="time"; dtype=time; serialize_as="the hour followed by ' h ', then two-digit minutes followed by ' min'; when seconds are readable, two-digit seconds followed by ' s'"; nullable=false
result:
11 h 56 min
